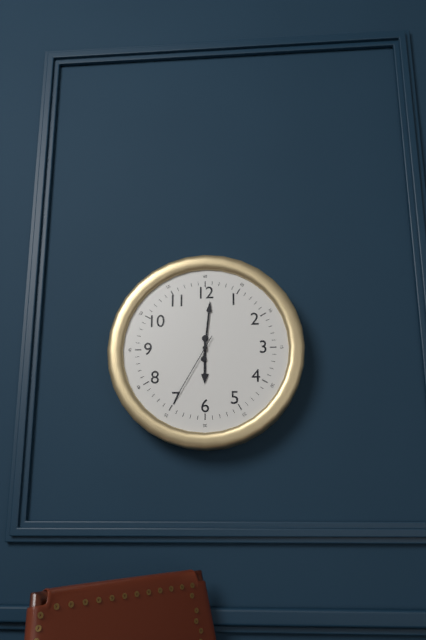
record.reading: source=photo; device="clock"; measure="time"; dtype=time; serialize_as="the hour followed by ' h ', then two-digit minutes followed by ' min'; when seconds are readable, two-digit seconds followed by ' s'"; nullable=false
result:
6 h 01 min 35 s
